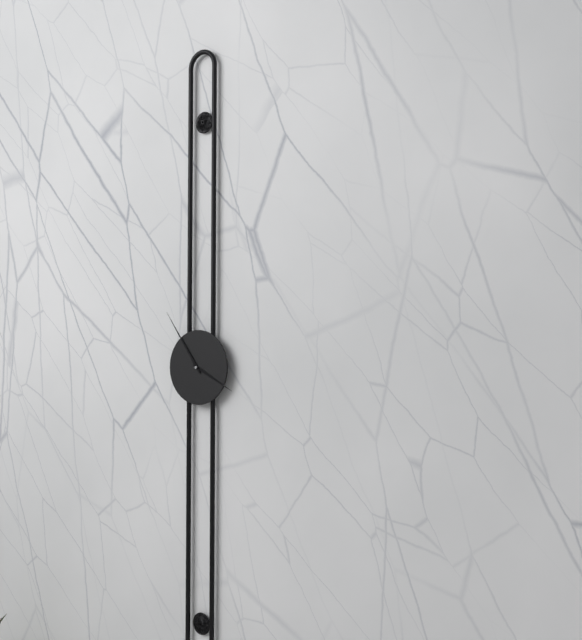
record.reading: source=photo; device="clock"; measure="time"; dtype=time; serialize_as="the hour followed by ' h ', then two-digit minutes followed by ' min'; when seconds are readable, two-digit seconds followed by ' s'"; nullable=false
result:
3 h 54 min
